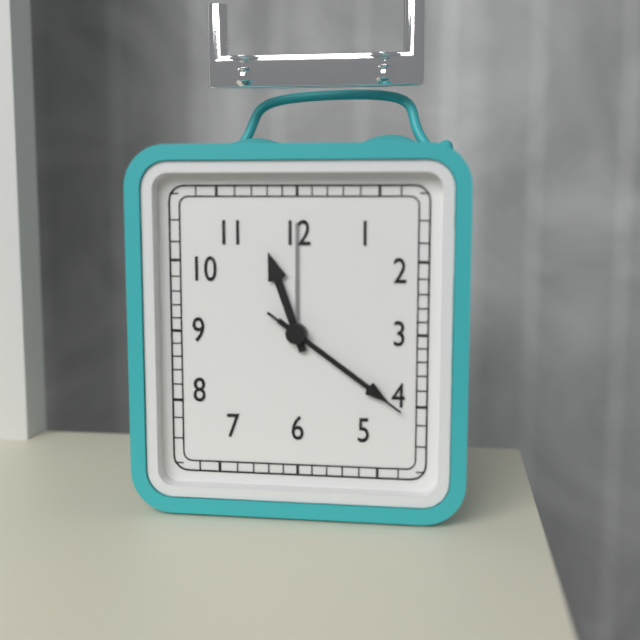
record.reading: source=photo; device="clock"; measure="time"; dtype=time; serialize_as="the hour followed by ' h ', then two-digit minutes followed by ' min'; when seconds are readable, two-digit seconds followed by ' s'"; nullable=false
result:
11 h 21 min 21 s
